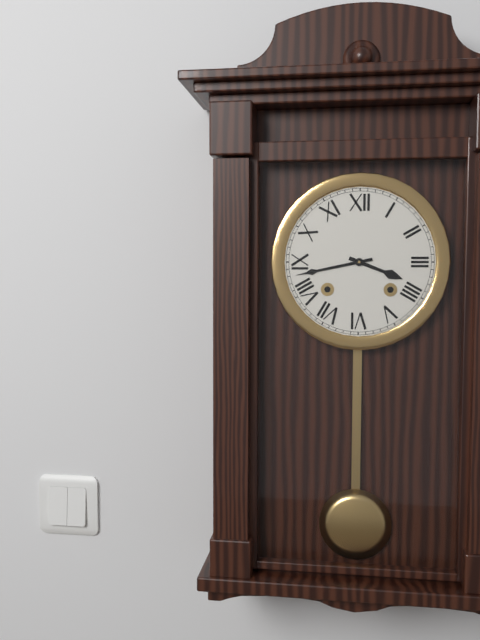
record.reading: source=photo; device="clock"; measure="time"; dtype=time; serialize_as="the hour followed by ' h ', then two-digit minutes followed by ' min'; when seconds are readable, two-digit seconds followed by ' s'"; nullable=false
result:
3 h 43 min
